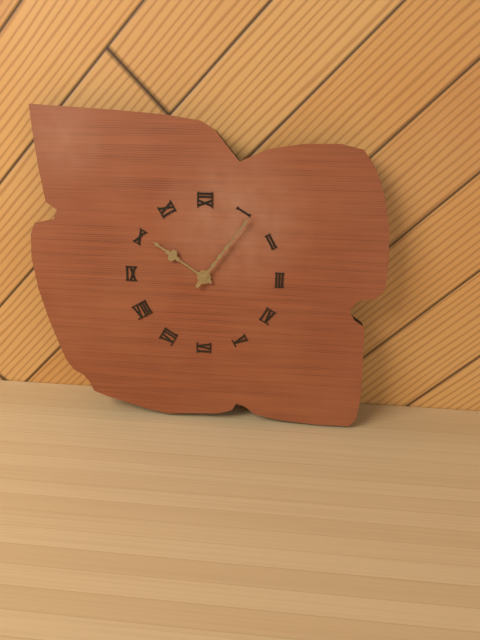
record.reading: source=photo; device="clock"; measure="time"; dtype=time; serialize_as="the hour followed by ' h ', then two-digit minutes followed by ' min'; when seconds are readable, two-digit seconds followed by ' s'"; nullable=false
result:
10 h 06 min
